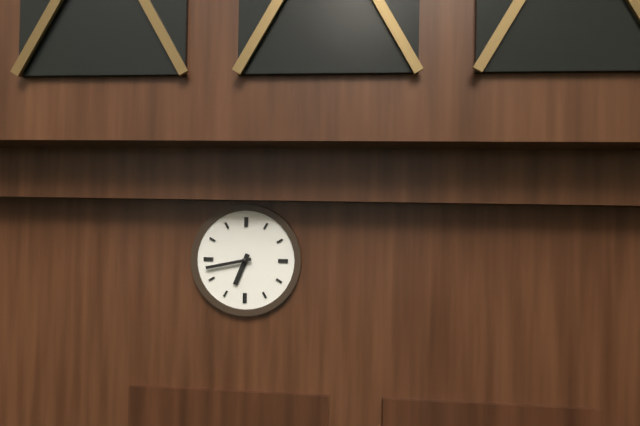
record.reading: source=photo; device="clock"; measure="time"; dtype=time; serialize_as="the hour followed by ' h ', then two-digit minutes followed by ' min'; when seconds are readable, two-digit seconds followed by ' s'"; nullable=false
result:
6 h 43 min
